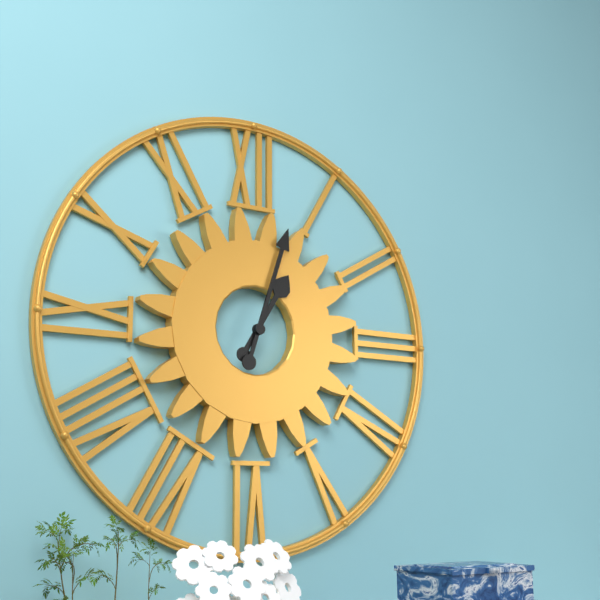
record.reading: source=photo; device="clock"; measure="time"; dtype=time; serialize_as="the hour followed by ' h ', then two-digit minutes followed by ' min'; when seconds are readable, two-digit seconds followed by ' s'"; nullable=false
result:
1 h 03 min
